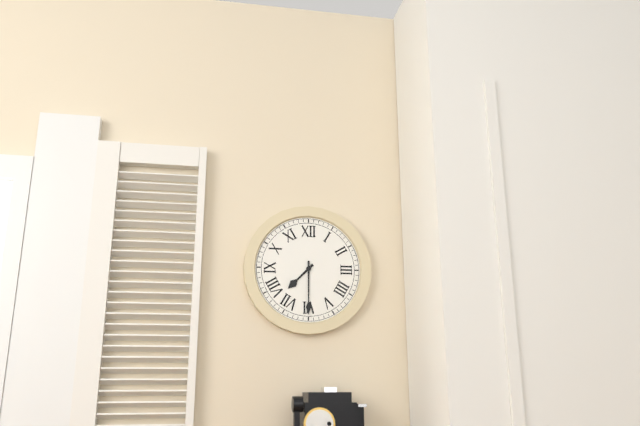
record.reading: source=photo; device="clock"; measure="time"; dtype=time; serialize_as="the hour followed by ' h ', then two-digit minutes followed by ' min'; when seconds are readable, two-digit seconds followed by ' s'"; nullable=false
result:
7 h 30 min
